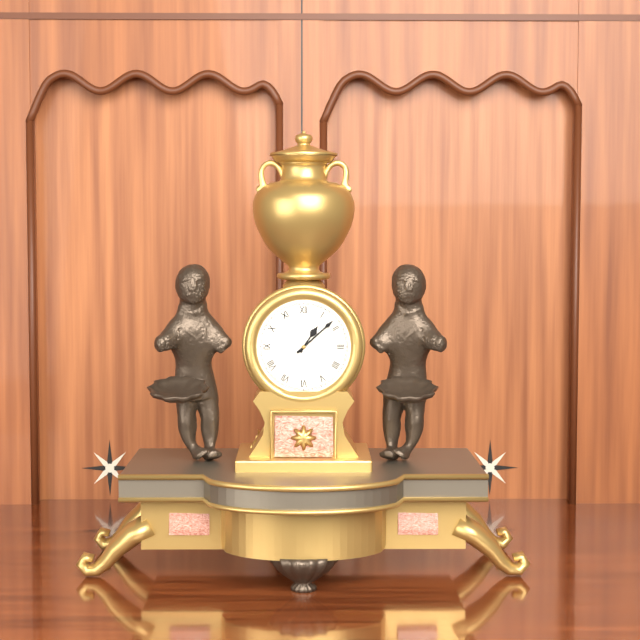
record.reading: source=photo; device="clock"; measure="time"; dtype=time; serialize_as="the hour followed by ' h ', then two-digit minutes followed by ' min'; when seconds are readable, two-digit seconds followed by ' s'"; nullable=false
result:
1 h 08 min
